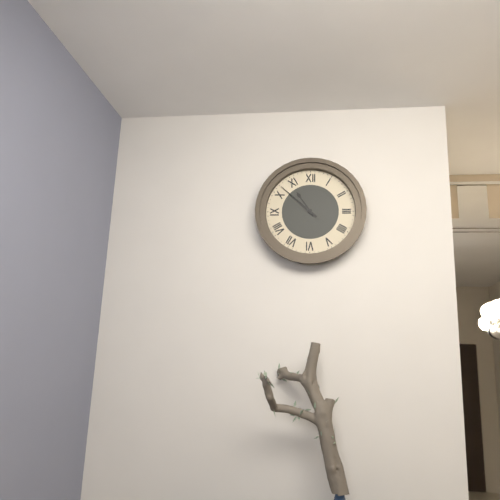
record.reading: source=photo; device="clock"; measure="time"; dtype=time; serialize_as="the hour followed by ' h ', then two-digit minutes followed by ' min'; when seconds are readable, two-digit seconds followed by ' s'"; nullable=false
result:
10 h 52 min
